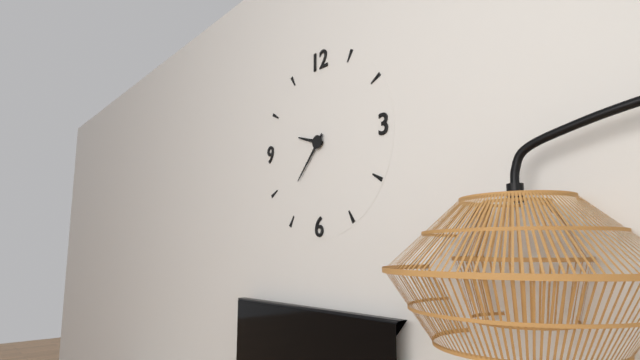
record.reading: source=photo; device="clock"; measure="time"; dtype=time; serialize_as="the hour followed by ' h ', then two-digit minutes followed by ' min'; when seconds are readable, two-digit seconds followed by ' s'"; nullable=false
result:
9 h 37 min
